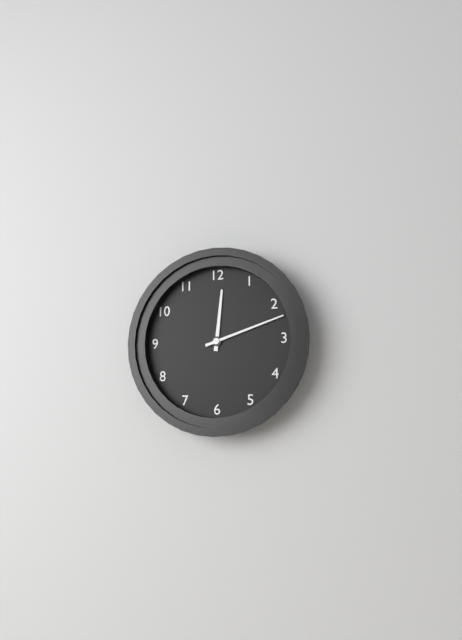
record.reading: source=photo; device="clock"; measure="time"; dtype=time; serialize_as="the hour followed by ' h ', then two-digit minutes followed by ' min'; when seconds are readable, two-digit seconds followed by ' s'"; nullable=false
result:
12 h 12 min
